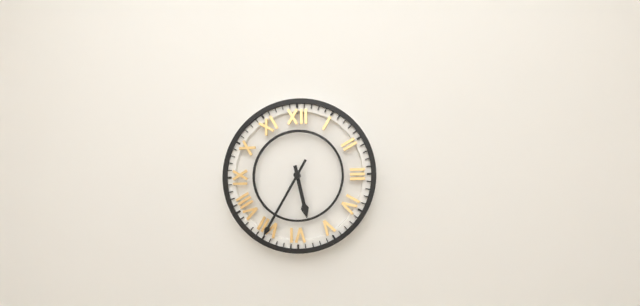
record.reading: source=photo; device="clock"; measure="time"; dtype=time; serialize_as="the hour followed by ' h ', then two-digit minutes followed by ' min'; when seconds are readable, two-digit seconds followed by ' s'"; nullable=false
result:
5 h 35 min
